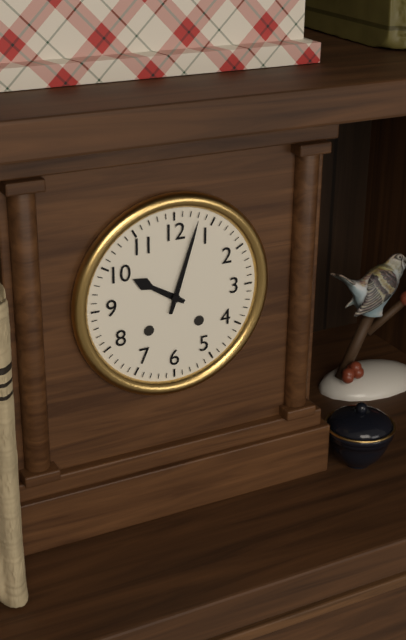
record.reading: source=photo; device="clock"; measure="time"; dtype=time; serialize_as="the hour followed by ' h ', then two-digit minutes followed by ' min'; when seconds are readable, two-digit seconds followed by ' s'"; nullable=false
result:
10 h 03 min
